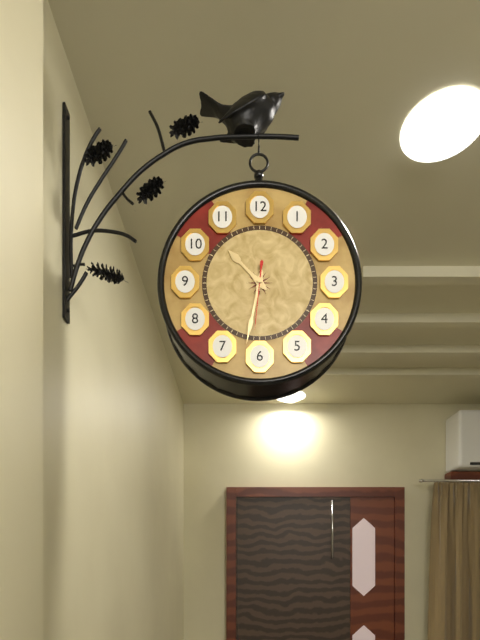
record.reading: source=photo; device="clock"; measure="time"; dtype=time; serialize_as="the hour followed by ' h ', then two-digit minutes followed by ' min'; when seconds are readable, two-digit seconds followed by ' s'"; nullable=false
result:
10 h 32 min 31 s
